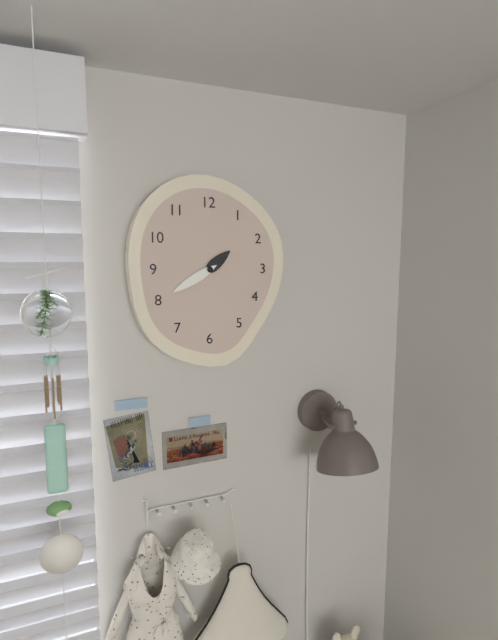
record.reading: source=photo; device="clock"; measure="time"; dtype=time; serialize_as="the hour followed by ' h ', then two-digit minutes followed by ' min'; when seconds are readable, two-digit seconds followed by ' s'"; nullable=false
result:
1 h 40 min
